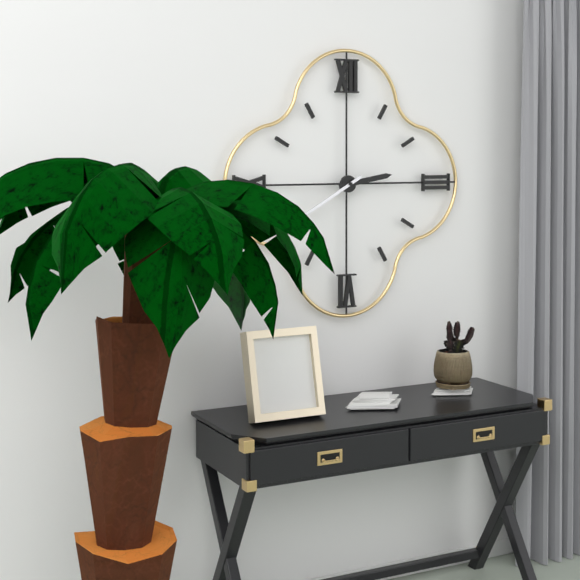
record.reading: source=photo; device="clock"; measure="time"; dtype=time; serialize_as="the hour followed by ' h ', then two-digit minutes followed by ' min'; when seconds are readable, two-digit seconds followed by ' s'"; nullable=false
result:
2 h 40 min
